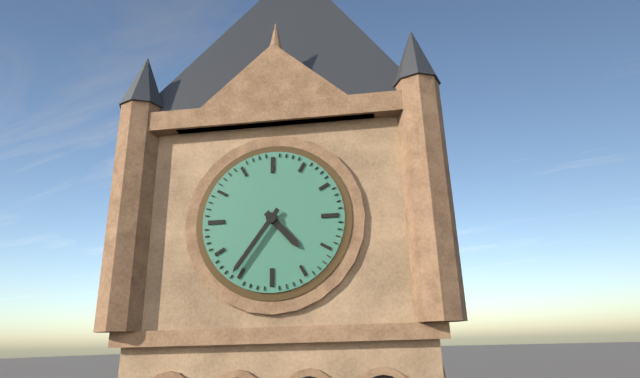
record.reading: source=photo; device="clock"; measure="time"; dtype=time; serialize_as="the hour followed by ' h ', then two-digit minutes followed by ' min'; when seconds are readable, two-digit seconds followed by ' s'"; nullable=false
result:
4 h 36 min
